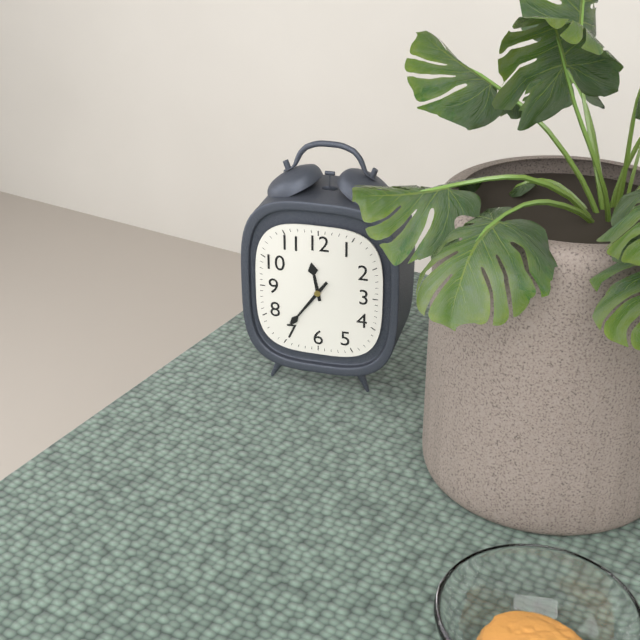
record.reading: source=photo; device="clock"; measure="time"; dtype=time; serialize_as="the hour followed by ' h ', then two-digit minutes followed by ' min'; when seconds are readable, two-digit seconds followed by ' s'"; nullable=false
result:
11 h 36 min
